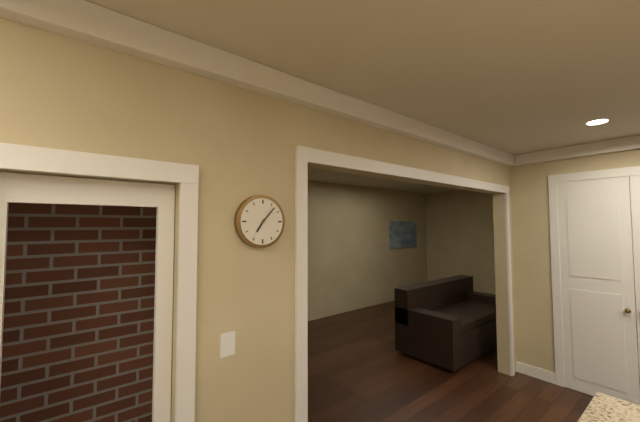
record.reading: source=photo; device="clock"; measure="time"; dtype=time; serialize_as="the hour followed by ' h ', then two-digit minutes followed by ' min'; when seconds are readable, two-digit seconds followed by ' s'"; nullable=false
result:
7 h 07 min
